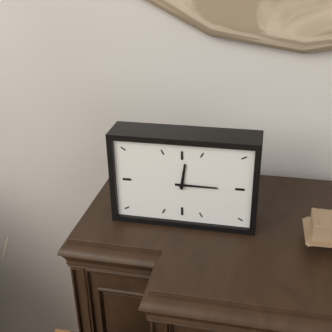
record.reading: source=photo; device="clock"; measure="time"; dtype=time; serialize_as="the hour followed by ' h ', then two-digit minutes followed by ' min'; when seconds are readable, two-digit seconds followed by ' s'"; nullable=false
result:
12 h 15 min
